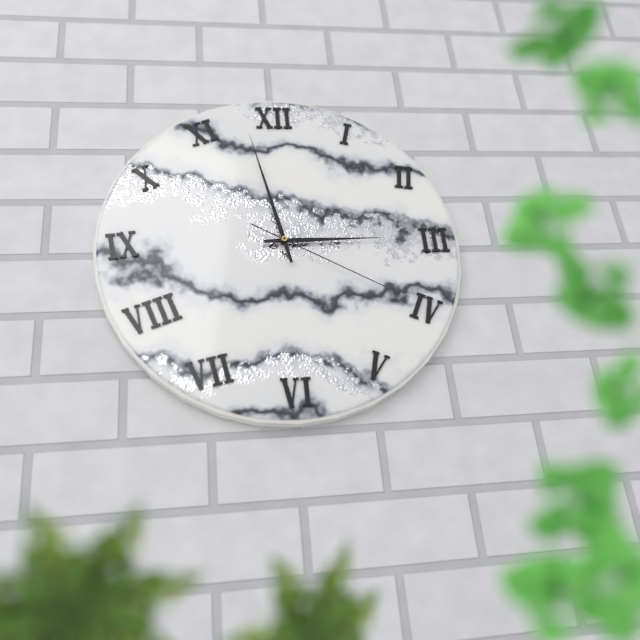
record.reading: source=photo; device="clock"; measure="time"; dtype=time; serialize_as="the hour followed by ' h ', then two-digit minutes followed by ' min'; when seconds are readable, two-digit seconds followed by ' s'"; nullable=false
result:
2 h 58 min 20 s
